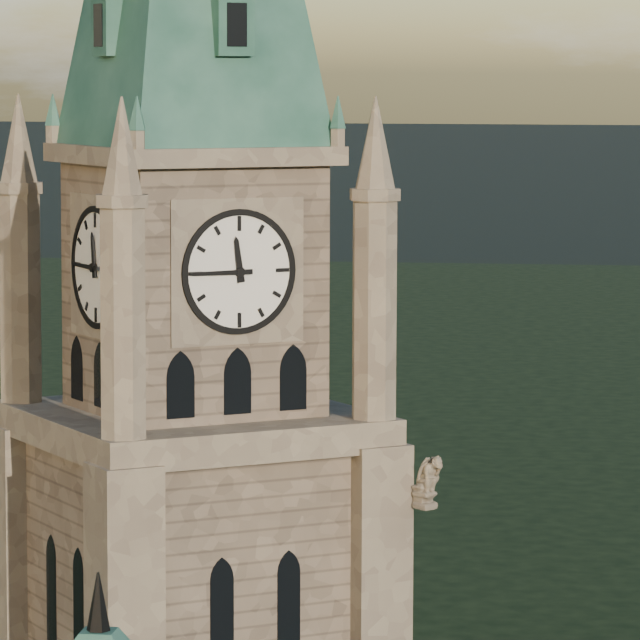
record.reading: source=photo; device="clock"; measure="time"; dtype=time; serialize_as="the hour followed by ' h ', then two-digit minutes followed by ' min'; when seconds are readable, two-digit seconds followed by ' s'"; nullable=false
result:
11 h 45 min
